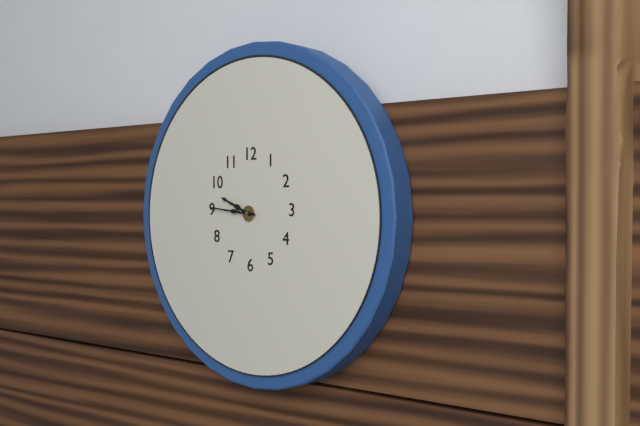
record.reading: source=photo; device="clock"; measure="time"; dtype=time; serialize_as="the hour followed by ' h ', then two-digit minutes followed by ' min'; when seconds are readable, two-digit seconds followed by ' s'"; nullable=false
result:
9 h 46 min
